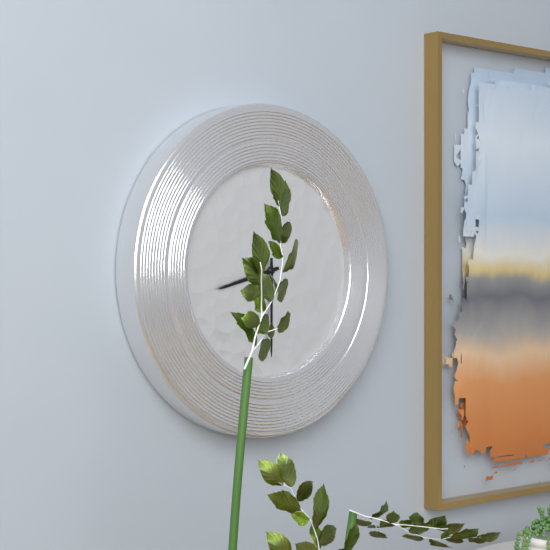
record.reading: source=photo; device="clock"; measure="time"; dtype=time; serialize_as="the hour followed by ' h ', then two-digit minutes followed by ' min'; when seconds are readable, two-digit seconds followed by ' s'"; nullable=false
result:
8 h 30 min
